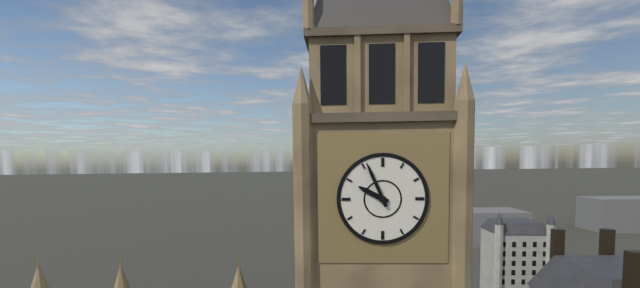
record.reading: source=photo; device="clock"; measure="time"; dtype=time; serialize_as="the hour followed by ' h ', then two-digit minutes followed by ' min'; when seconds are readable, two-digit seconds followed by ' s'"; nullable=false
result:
9 h 56 min
